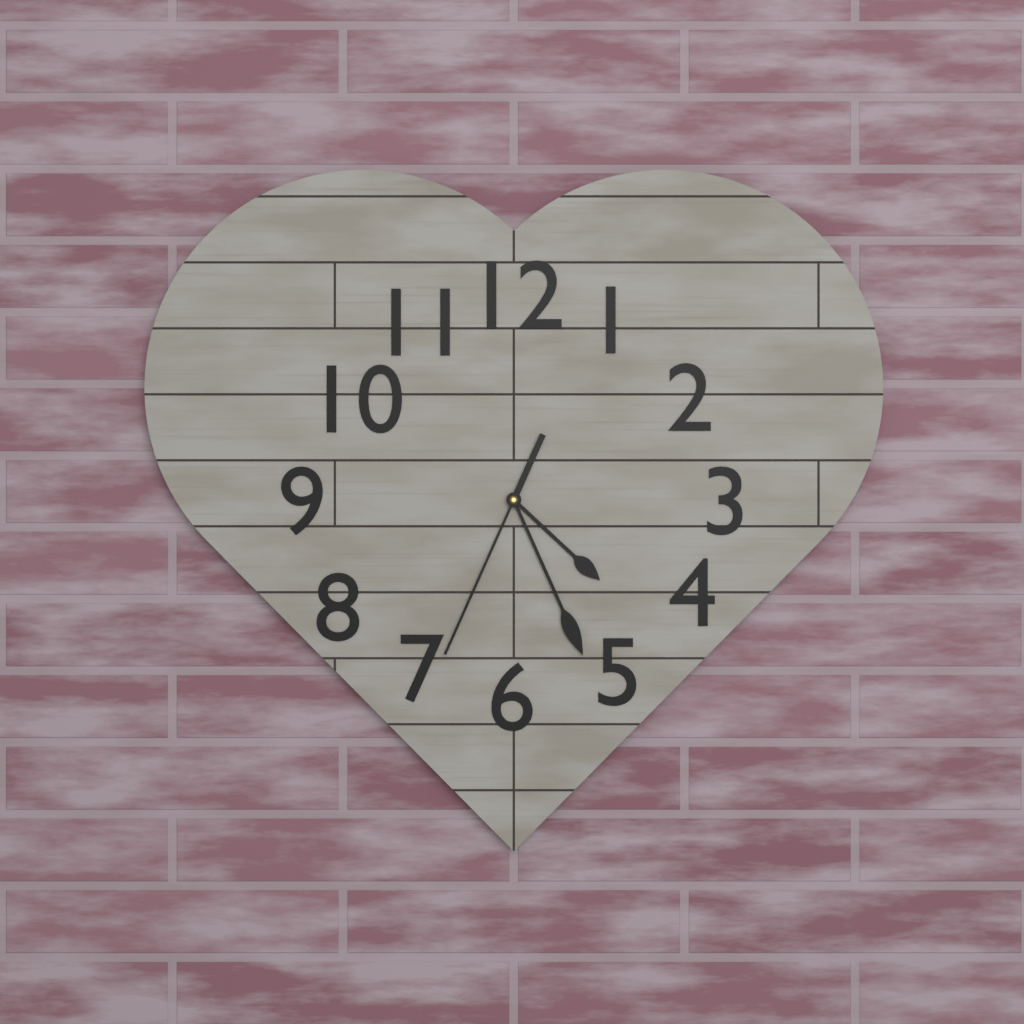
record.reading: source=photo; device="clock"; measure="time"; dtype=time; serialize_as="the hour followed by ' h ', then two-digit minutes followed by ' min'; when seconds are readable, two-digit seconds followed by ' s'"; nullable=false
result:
4 h 26 min 34 s
